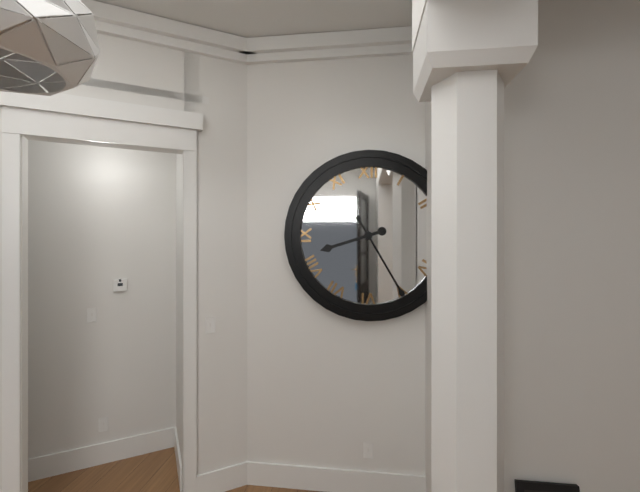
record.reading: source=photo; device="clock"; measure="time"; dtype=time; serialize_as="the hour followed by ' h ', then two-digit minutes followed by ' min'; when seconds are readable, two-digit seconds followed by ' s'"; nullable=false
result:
8 h 25 min
